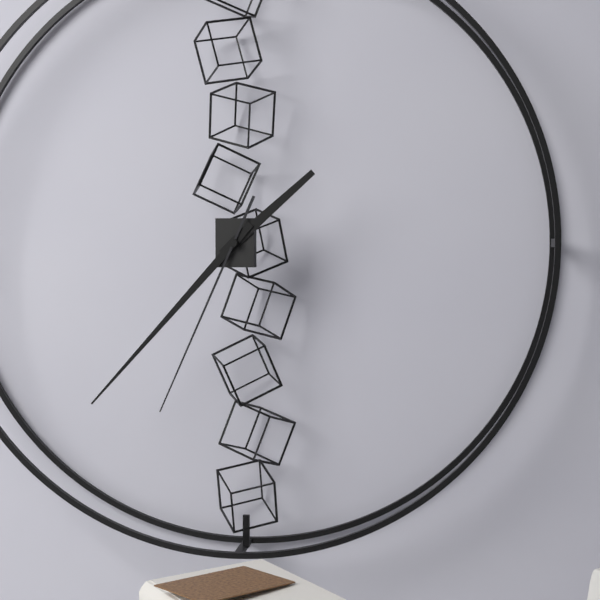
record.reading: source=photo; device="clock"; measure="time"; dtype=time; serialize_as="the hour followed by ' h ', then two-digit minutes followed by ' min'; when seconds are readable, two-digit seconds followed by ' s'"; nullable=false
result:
1 h 37 min 34 s
